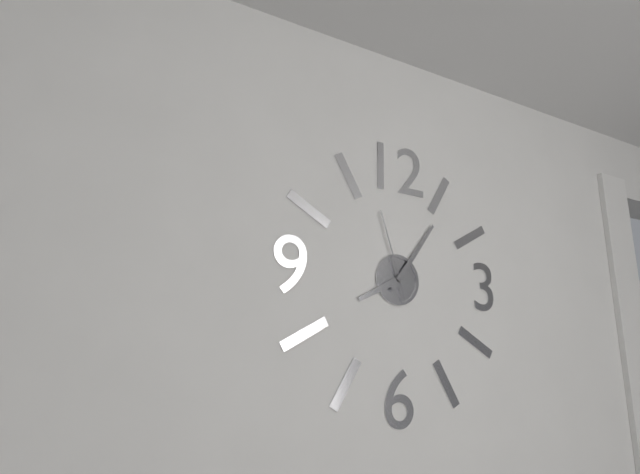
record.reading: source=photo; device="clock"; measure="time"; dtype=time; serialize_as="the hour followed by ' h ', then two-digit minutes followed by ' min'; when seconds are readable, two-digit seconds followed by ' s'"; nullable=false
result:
8 h 06 min 57 s
